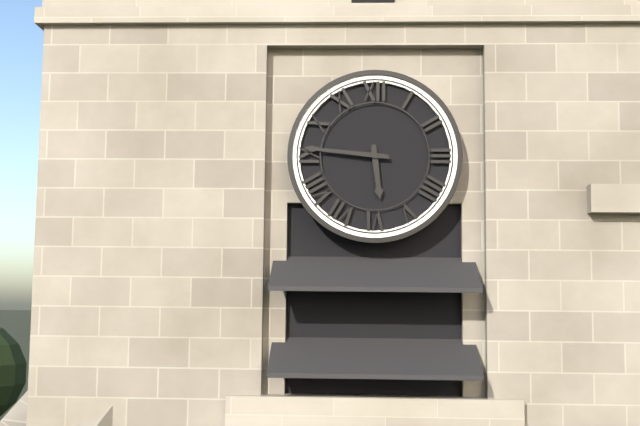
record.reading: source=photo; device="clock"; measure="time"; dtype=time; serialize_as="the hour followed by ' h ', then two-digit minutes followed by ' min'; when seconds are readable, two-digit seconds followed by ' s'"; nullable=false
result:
5 h 46 min
